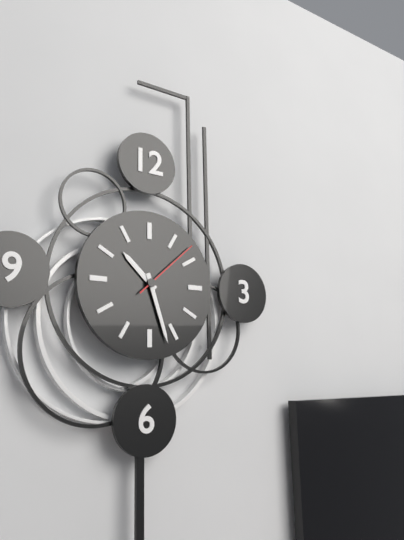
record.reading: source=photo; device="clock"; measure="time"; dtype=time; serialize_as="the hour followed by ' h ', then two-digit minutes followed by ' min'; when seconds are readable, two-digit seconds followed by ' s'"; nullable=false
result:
10 h 27 min 08 s
